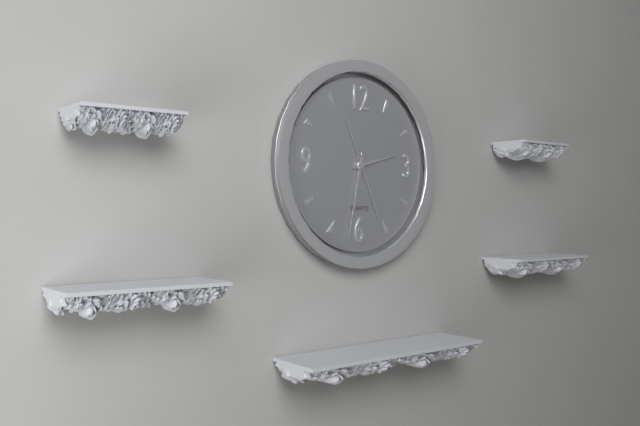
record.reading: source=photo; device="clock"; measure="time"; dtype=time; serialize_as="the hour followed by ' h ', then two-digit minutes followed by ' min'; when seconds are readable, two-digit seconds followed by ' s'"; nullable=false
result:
2 h 32 min 26 s
